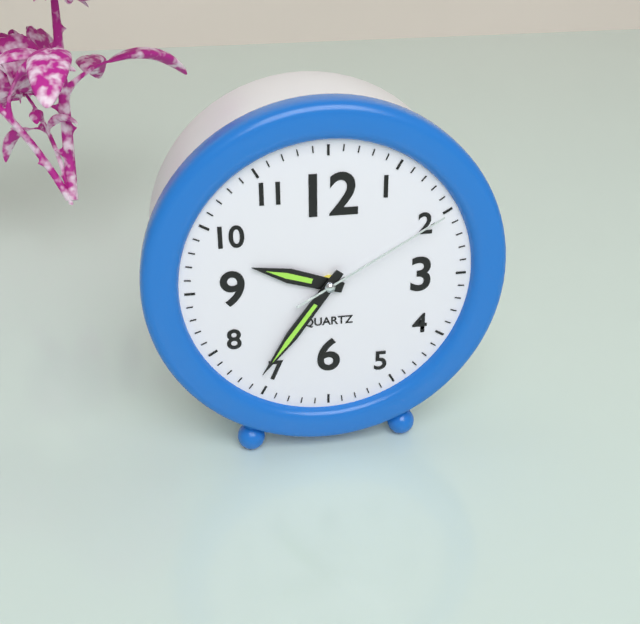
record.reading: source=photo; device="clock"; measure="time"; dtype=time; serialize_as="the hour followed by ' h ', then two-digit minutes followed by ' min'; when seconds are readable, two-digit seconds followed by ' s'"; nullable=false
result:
9 h 36 min 10 s
